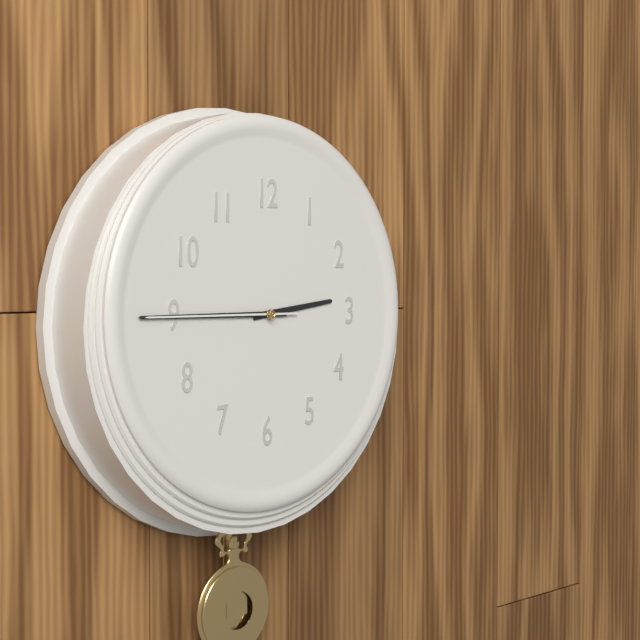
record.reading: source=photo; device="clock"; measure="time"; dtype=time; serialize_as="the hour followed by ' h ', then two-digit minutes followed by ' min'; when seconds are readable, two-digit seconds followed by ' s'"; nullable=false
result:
2 h 45 min 45 s
